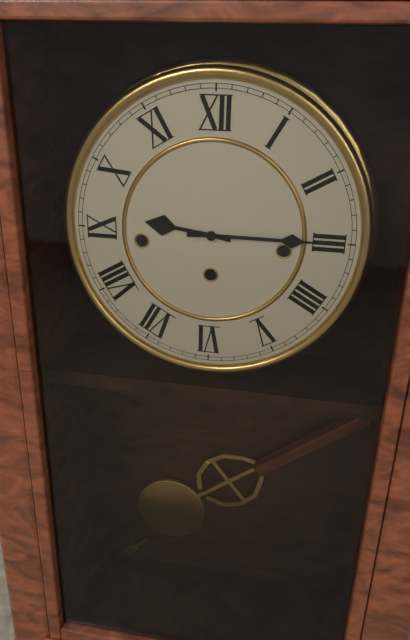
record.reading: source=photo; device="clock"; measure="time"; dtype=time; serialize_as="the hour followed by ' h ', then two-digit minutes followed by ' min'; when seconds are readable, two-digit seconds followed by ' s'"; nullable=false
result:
9 h 15 min
